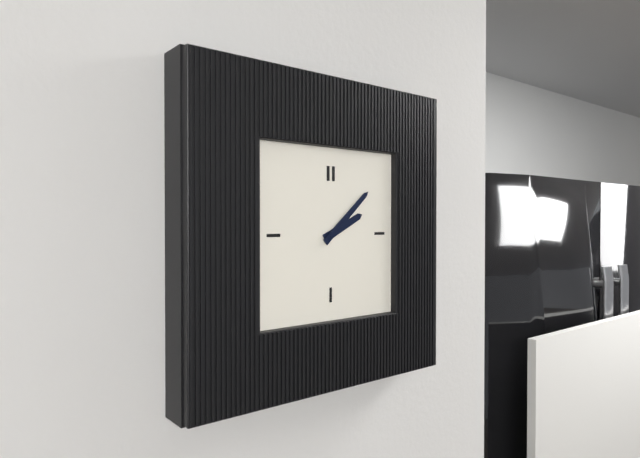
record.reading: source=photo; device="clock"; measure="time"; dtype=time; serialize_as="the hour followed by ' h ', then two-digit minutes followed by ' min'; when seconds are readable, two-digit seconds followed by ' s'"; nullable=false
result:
2 h 08 min
